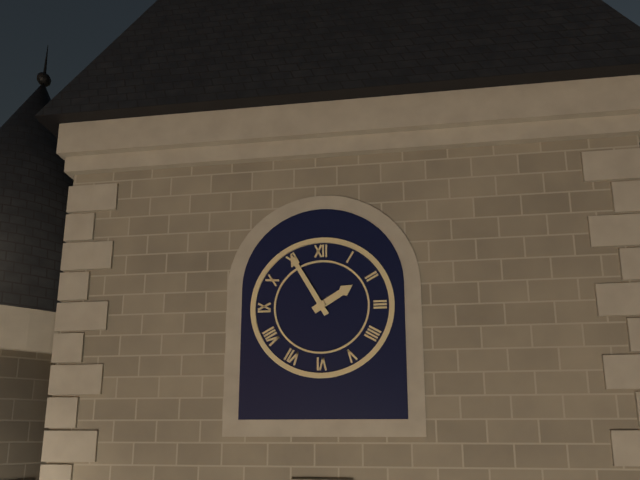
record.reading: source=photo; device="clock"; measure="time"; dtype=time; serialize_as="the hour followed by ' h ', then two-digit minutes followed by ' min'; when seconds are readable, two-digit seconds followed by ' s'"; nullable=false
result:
1 h 55 min
